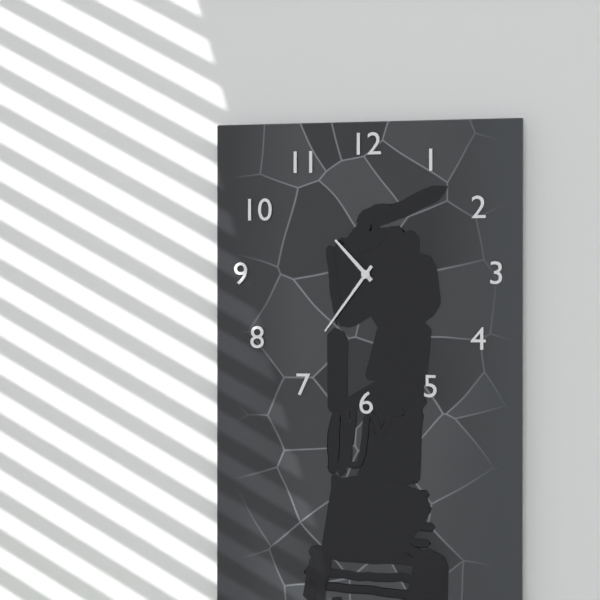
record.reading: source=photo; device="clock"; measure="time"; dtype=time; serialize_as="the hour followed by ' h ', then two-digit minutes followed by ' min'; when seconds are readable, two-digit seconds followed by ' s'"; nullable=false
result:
10 h 36 min
